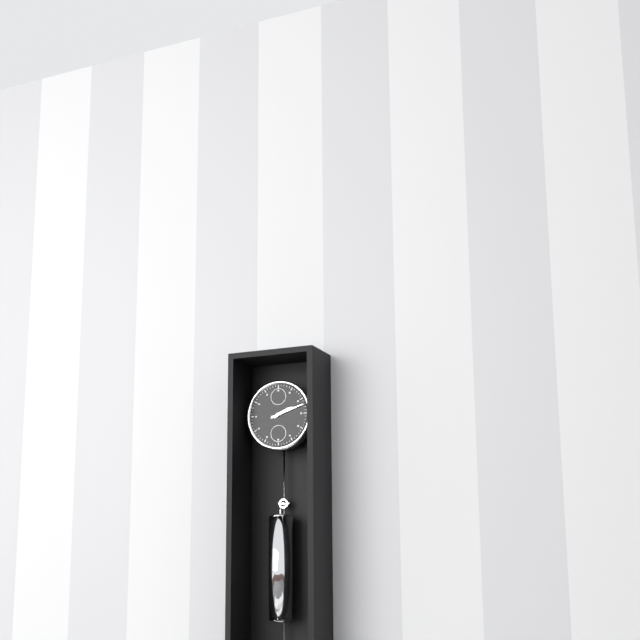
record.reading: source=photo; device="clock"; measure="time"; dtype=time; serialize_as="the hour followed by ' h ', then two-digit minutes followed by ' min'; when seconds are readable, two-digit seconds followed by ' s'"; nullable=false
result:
2 h 12 min
